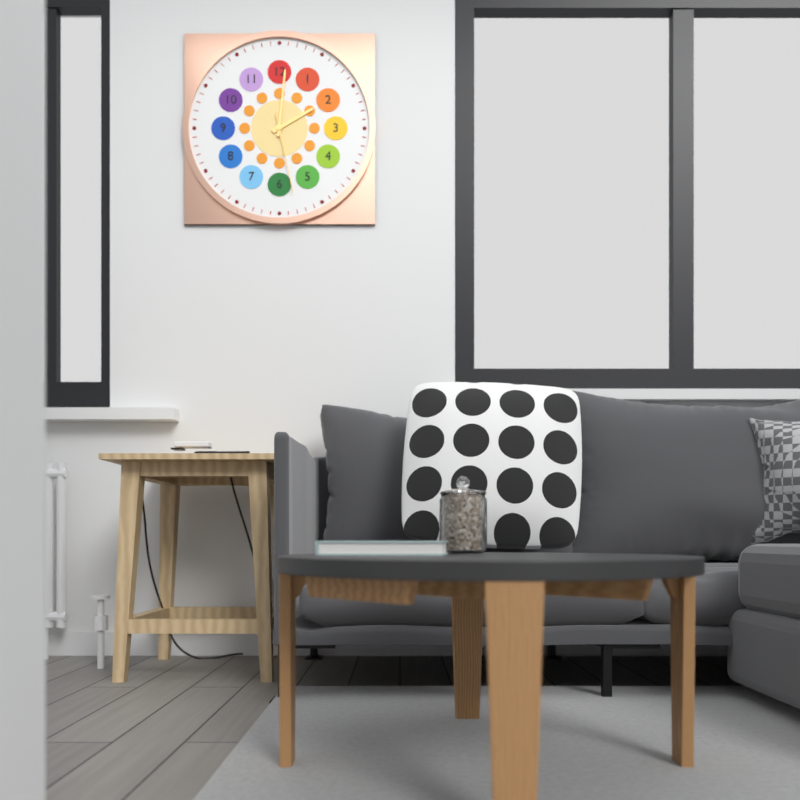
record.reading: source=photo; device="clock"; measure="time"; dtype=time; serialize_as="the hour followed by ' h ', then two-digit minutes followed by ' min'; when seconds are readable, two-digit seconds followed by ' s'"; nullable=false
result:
2 h 01 min 28 s
